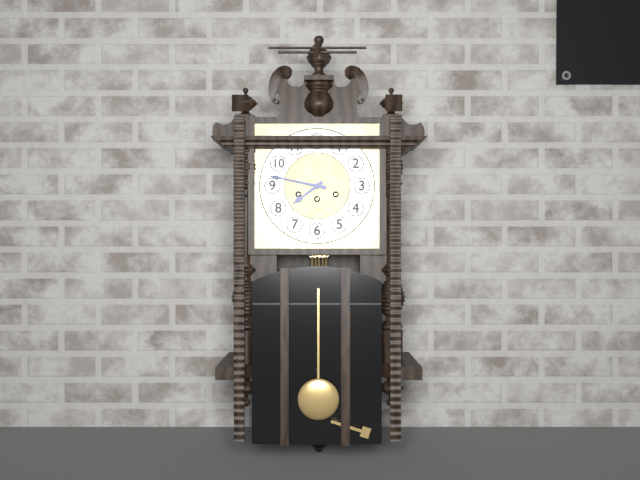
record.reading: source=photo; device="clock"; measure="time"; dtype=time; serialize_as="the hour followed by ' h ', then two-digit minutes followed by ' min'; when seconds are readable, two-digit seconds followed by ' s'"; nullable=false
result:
7 h 47 min
